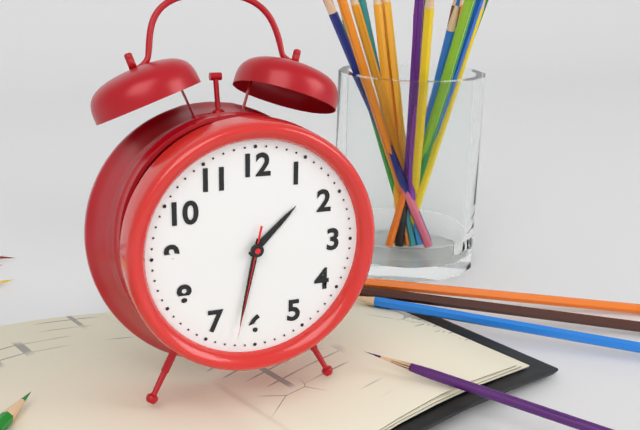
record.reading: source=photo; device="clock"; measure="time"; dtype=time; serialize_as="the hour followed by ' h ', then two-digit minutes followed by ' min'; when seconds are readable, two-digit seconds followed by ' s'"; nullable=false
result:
1 h 32 min 32 s
